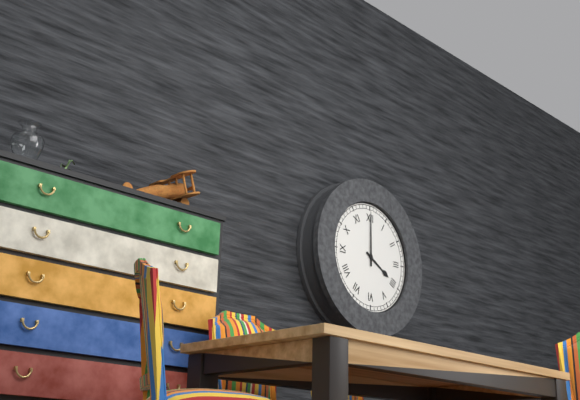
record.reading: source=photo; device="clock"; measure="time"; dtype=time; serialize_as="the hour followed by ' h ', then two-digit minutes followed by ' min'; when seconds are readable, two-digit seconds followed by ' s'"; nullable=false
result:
4 h 00 min
